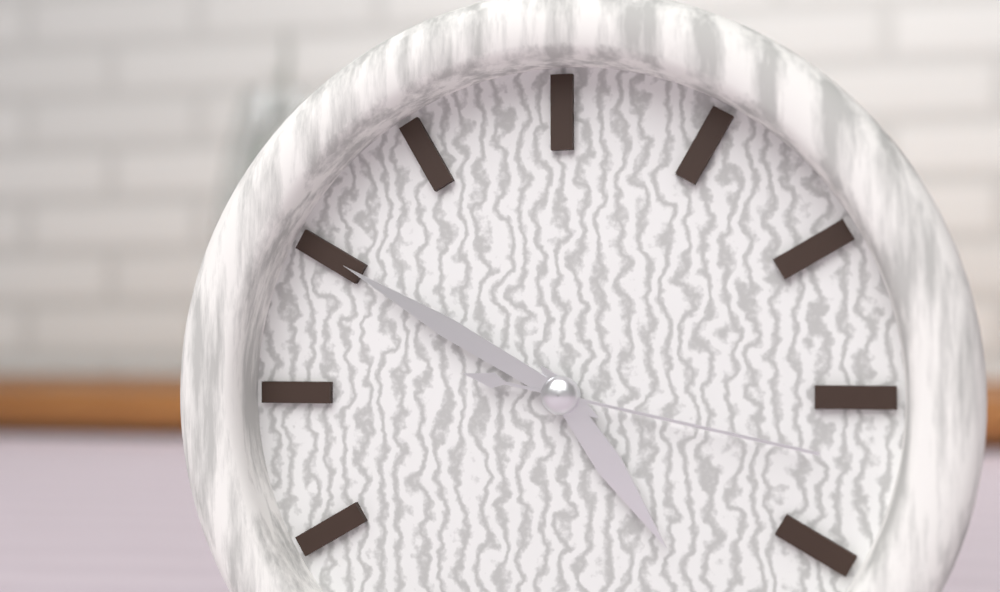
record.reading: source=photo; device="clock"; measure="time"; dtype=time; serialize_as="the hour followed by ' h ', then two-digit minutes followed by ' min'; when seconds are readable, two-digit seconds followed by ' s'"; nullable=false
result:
4 h 50 min 17 s
